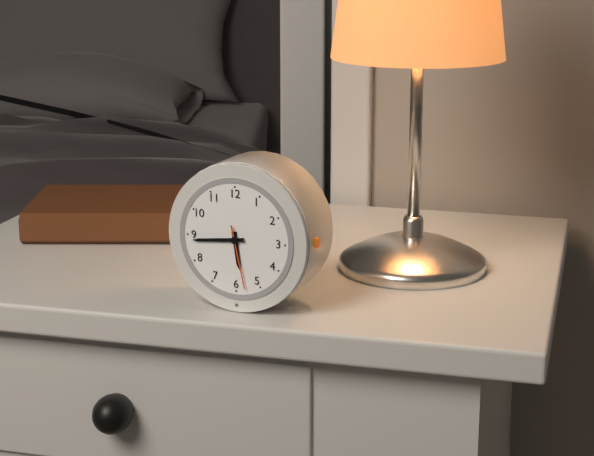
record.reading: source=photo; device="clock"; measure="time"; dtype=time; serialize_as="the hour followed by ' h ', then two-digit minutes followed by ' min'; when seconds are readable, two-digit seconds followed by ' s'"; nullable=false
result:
5 h 44 min 28 s
